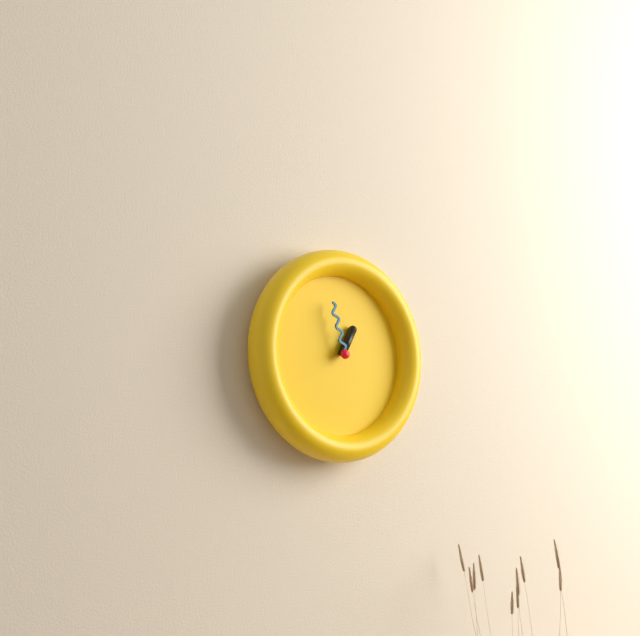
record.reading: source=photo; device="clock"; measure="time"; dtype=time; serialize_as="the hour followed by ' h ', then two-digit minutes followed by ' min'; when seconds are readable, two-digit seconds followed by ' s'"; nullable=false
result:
12 h 57 min
